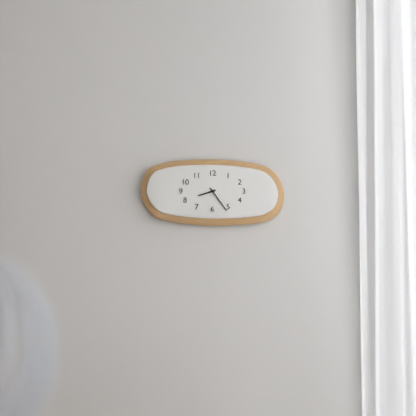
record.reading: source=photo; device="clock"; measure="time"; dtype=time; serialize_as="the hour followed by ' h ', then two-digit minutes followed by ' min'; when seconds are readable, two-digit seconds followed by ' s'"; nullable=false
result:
8 h 24 min
